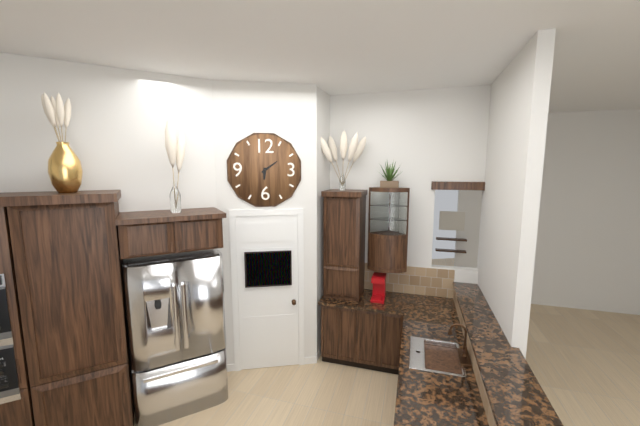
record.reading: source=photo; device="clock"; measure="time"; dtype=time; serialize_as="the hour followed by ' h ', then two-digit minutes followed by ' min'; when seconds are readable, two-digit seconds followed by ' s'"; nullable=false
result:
6 h 09 min
